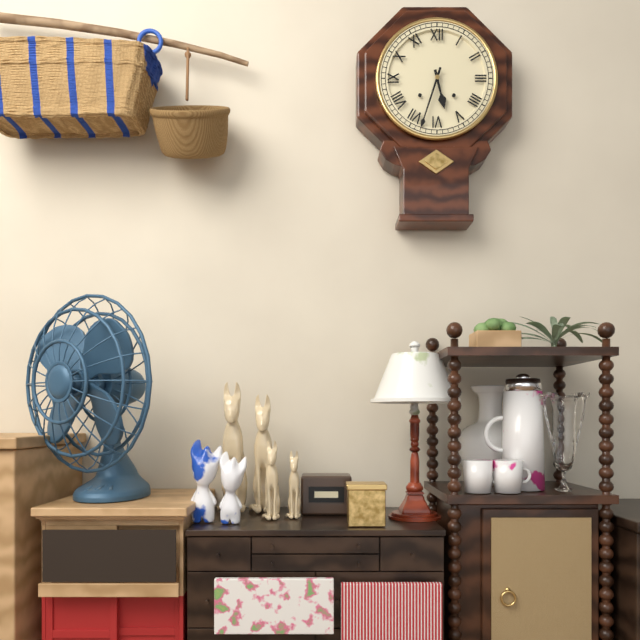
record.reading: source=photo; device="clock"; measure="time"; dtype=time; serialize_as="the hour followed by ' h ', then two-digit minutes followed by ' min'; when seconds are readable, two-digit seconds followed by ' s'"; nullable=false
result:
5 h 33 min
